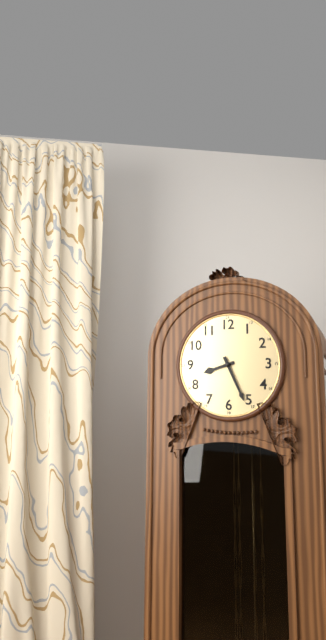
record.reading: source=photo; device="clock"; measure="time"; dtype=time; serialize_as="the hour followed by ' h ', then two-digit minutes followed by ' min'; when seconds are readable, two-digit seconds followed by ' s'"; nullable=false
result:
8 h 26 min
